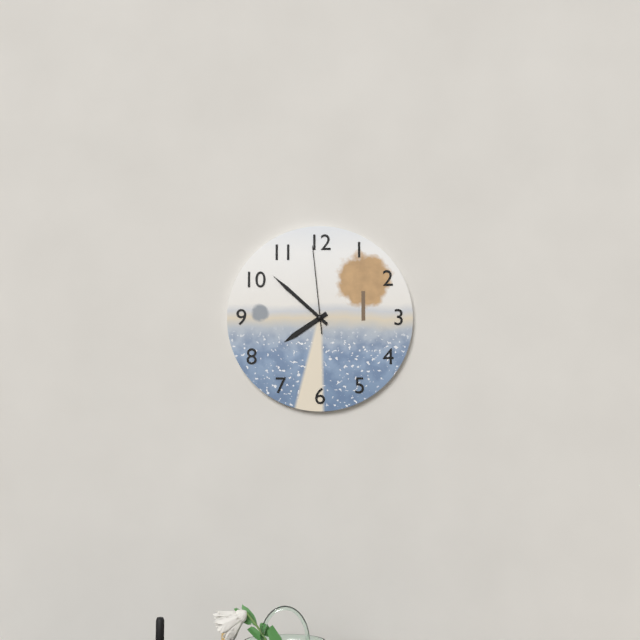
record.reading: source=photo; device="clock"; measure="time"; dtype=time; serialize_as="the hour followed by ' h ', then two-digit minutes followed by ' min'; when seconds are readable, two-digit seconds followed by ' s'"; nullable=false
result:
7 h 52 min 59 s
